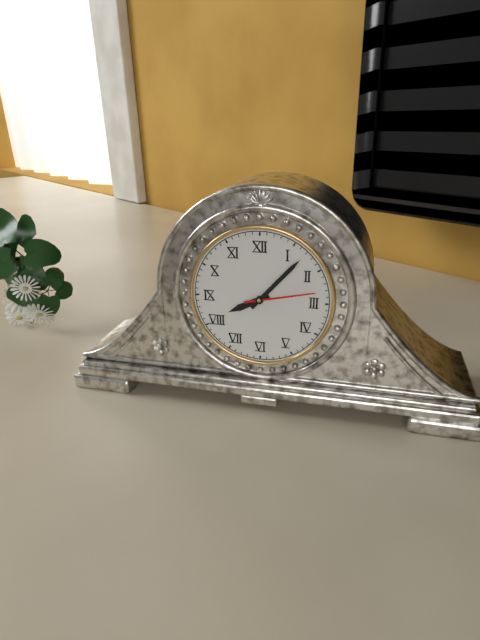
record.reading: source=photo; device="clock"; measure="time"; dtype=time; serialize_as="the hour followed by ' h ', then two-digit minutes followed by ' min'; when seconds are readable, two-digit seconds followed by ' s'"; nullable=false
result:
8 h 07 min 13 s
